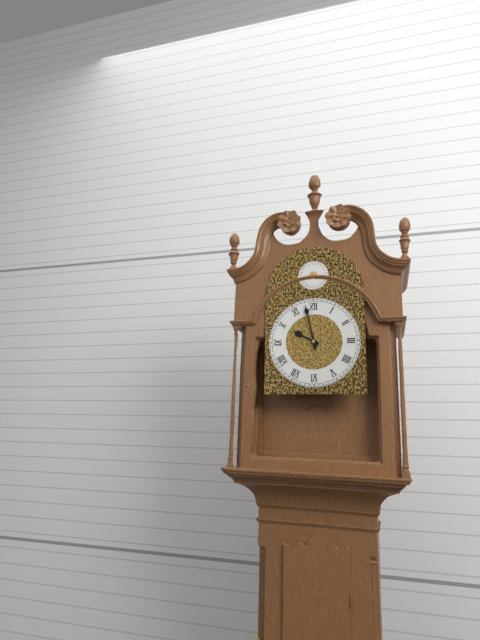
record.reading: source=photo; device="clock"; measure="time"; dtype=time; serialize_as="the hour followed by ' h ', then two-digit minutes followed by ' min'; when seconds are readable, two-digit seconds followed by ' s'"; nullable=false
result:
9 h 58 min
